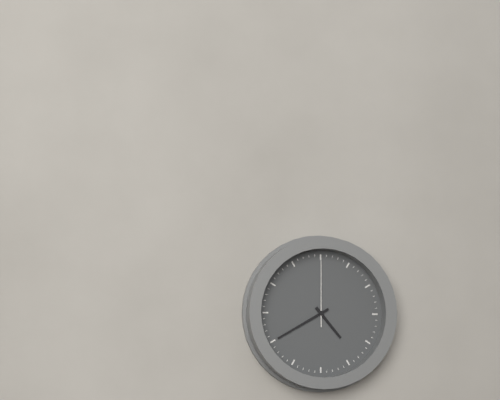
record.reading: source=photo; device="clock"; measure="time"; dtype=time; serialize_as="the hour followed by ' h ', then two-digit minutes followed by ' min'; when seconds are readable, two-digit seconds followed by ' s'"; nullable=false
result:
4 h 40 min 00 s
